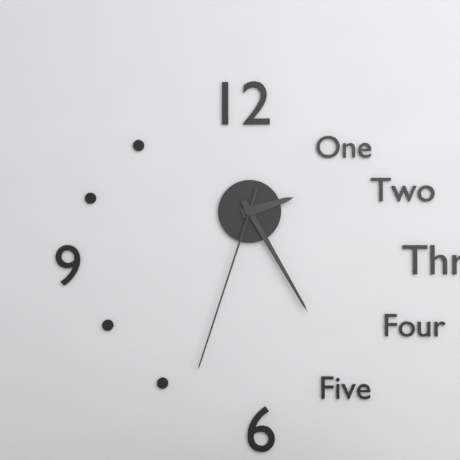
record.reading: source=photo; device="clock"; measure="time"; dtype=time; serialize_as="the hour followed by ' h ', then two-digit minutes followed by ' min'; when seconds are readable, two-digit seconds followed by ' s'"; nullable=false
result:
2 h 25 min 33 s
